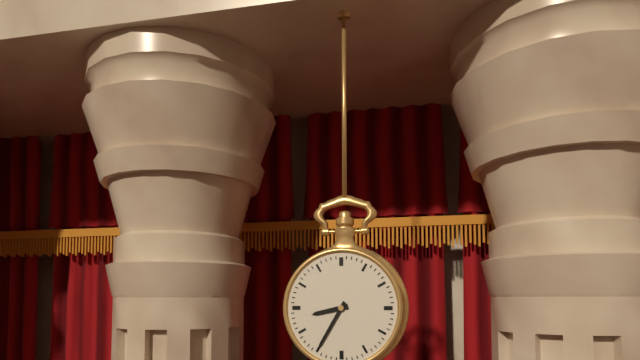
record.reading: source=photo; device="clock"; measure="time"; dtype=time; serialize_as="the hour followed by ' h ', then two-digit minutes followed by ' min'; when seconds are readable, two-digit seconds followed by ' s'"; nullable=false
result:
8 h 35 min
